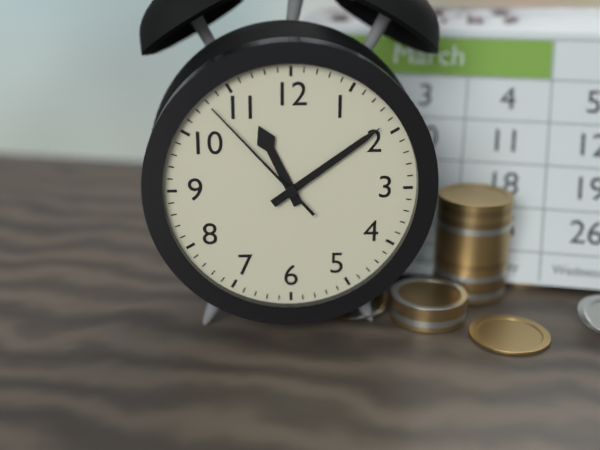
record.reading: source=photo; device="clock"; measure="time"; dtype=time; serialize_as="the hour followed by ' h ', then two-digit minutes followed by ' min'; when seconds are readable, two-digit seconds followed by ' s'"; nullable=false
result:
11 h 09 min 53 s
